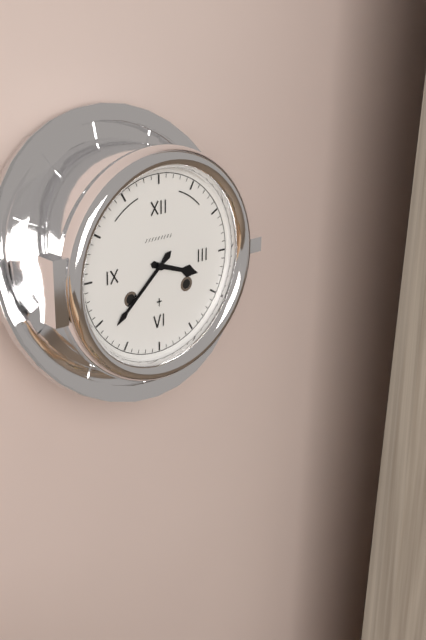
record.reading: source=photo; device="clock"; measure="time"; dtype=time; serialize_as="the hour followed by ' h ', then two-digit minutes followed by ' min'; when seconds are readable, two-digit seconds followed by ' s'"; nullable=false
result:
3 h 38 min
